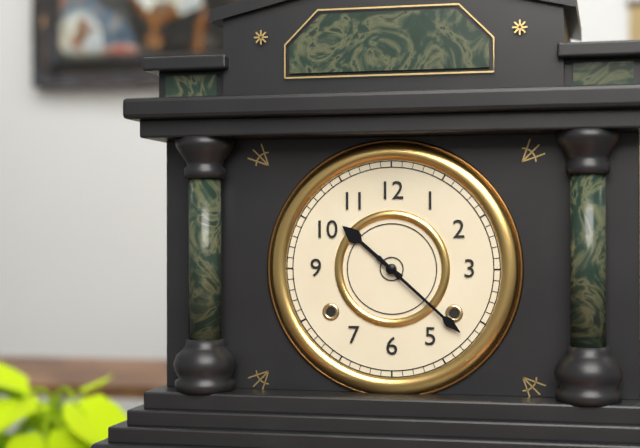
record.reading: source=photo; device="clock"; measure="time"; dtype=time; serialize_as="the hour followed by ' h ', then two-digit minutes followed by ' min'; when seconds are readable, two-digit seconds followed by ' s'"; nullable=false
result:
10 h 22 min
